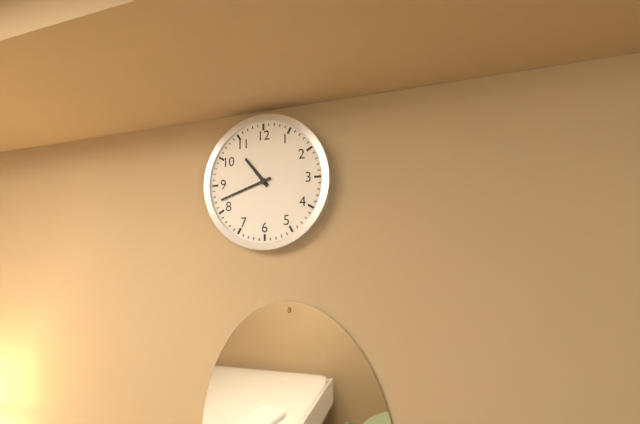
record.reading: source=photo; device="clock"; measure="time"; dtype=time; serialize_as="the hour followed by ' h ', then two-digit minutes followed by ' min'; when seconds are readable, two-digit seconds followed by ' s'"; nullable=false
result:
10 h 42 min
